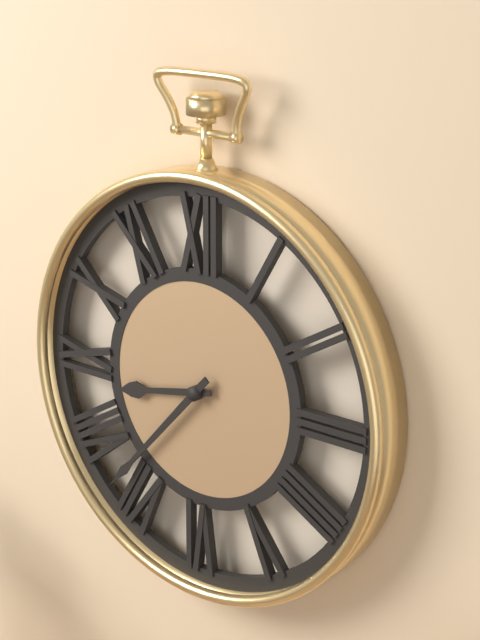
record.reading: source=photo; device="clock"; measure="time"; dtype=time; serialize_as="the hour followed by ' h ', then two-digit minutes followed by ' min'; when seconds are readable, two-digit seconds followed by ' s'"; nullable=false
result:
8 h 37 min
